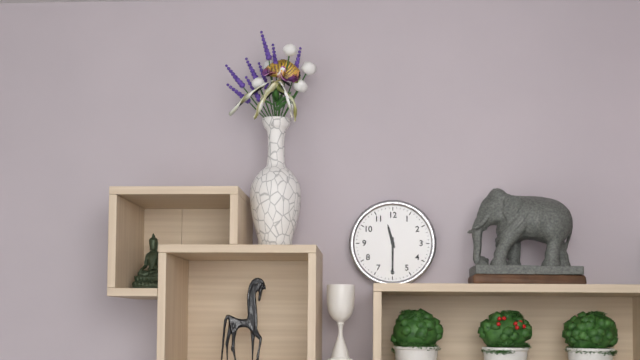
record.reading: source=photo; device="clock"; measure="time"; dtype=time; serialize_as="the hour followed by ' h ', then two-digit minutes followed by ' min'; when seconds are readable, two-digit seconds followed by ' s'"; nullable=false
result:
11 h 30 min
